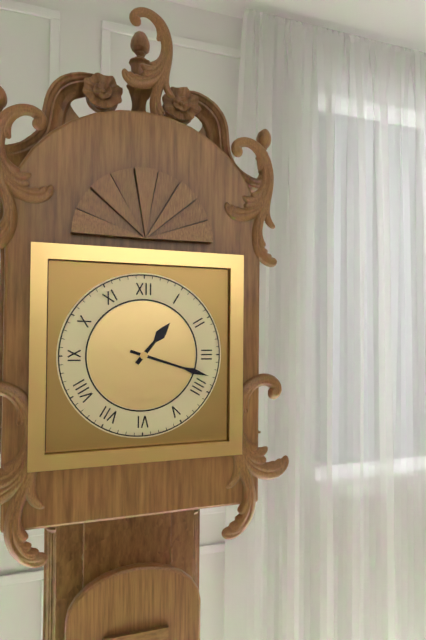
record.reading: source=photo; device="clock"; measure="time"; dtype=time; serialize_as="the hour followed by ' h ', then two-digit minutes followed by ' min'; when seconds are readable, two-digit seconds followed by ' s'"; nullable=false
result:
1 h 18 min
